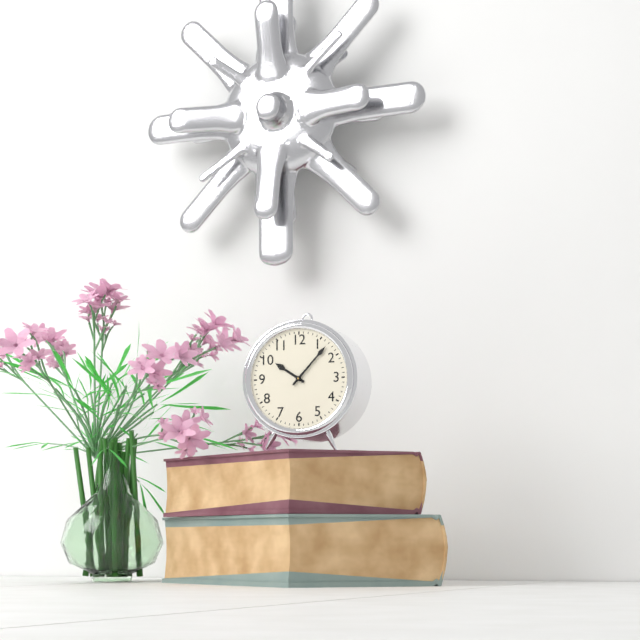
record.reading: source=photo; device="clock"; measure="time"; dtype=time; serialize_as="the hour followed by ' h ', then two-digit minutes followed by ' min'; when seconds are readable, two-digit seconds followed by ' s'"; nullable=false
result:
10 h 07 min
